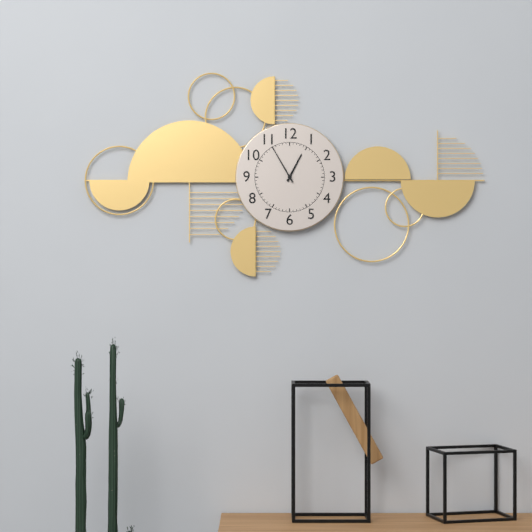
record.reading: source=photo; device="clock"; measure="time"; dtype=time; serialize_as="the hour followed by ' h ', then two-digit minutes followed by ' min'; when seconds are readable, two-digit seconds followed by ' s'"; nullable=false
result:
12 h 55 min
